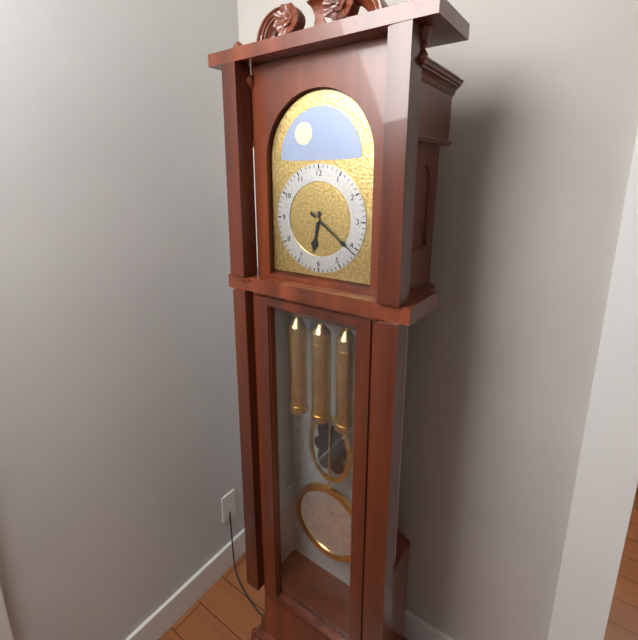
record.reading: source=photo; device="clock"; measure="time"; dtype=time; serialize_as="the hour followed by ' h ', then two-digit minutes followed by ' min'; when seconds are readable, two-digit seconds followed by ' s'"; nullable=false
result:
6 h 21 min
